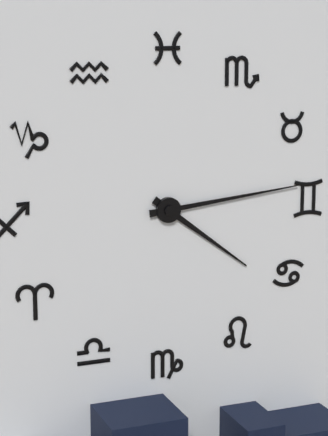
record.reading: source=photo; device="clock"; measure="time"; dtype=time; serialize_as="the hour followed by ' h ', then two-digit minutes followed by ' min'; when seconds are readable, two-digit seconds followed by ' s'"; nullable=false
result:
4 h 14 min
